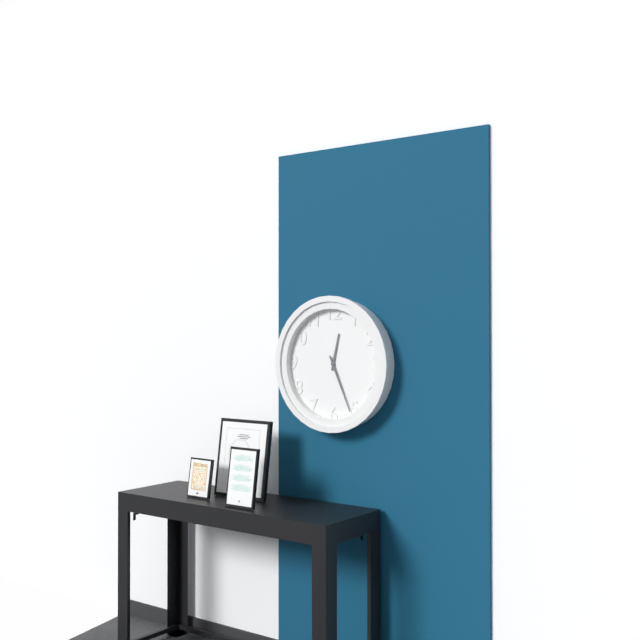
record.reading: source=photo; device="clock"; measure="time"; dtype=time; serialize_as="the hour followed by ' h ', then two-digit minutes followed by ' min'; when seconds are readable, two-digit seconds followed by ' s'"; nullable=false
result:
12 h 26 min
